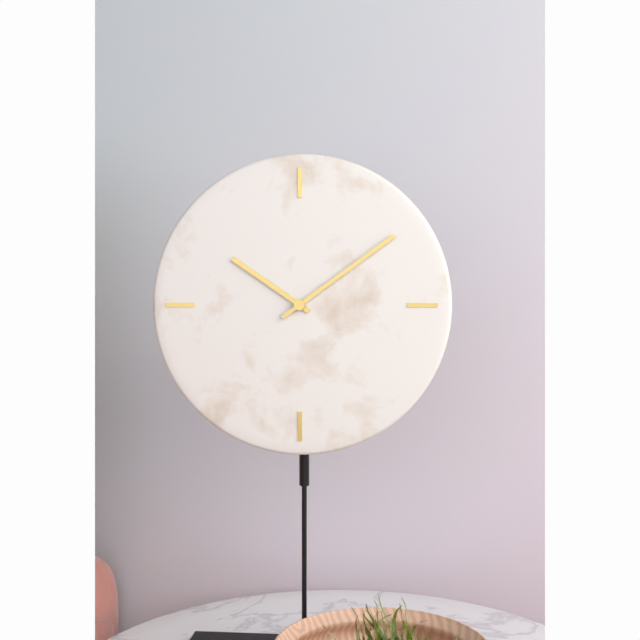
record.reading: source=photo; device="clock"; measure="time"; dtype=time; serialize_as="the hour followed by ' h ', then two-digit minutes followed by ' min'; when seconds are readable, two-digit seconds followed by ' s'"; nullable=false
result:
10 h 09 min
